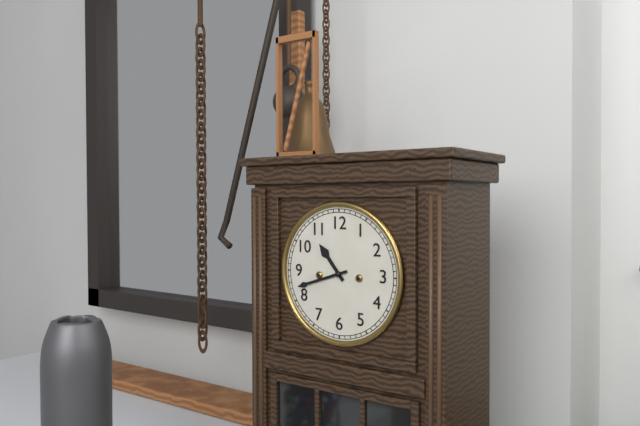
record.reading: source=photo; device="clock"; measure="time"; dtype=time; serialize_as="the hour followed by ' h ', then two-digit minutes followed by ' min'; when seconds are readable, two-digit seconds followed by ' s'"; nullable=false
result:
10 h 42 min
